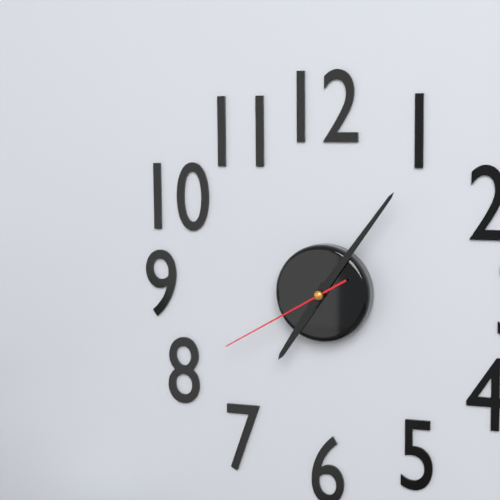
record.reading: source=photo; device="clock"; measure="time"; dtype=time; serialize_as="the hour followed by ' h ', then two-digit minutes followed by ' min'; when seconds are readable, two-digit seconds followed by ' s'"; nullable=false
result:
7 h 06 min 40 s
